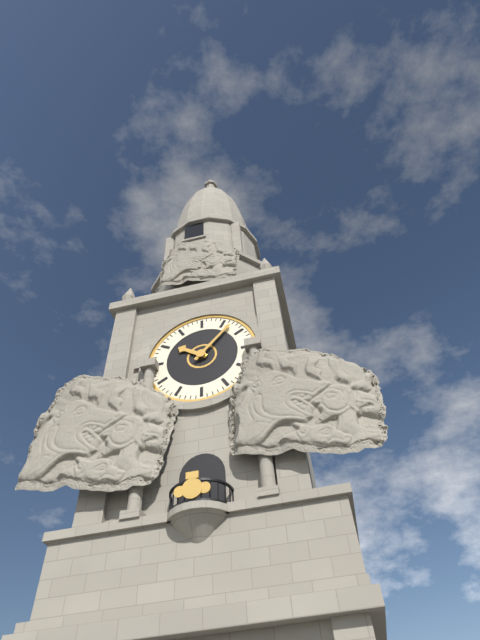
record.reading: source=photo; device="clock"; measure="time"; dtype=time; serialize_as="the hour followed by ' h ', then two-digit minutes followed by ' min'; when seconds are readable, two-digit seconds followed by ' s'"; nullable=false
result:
10 h 07 min
